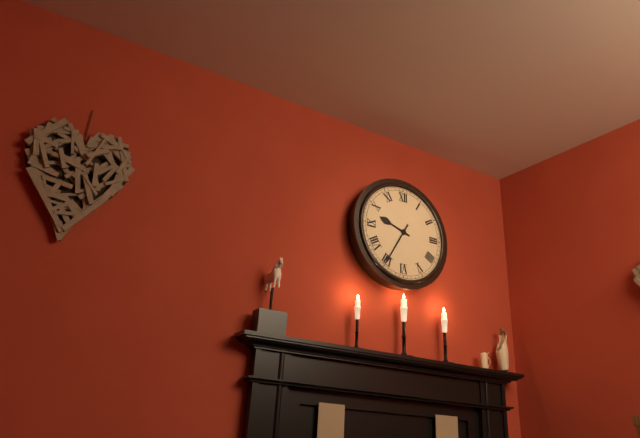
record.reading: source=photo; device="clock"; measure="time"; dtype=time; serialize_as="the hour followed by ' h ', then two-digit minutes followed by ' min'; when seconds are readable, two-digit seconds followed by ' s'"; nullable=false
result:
9 h 35 min
